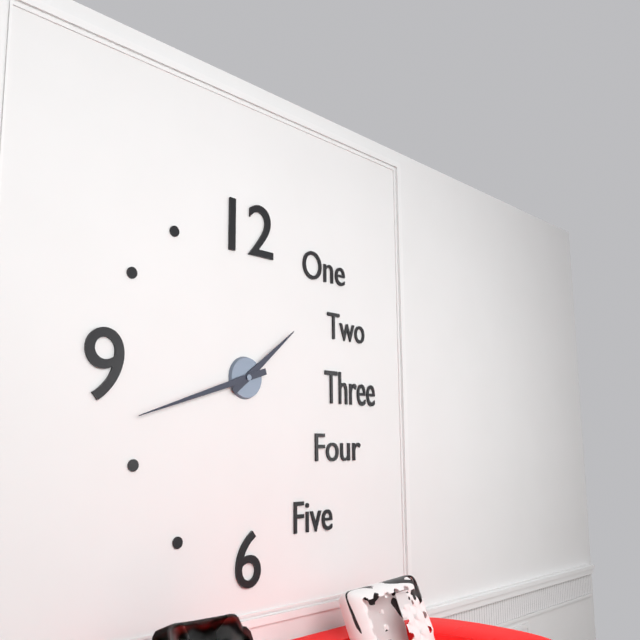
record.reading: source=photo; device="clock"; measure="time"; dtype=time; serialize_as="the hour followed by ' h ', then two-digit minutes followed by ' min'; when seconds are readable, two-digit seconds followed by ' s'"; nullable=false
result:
1 h 42 min
